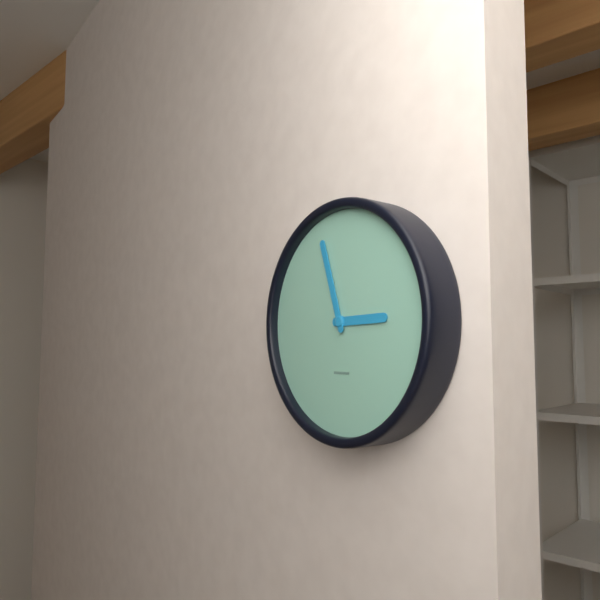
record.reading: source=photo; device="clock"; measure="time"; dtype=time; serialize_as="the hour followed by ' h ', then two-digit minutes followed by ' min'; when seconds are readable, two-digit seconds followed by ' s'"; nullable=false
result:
2 h 57 min
